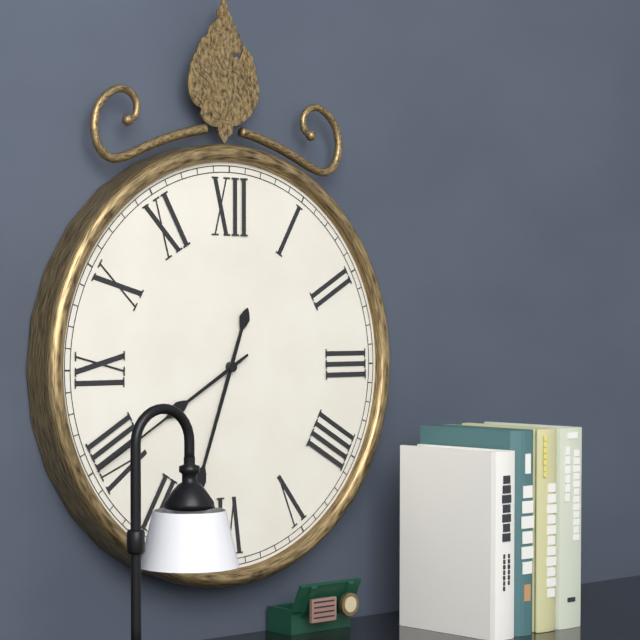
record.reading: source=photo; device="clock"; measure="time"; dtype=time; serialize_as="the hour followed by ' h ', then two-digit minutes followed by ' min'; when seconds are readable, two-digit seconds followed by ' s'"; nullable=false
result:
6 h 40 min
